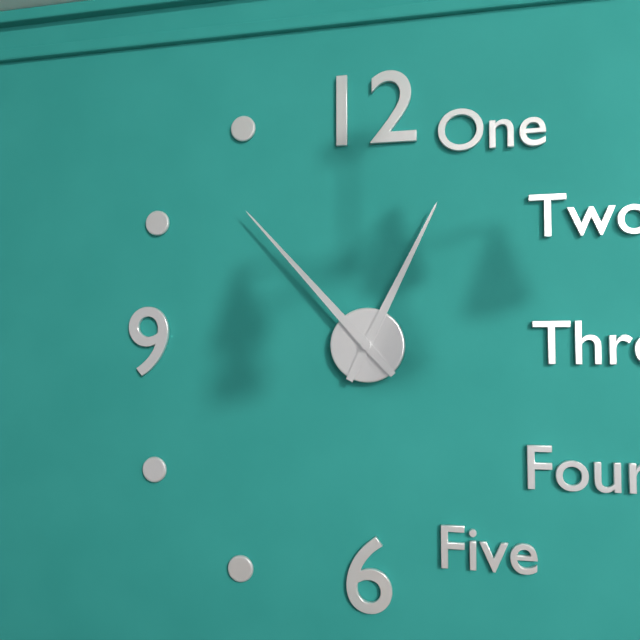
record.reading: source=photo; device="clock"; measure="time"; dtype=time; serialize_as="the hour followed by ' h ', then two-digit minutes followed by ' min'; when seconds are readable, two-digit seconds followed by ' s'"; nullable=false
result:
12 h 53 min
